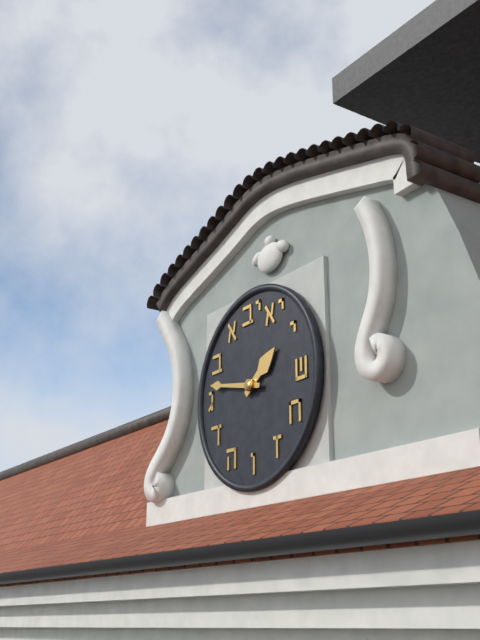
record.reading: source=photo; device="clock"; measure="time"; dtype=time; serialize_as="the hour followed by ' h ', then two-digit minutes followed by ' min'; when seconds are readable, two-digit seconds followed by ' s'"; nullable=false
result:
1 h 47 min
